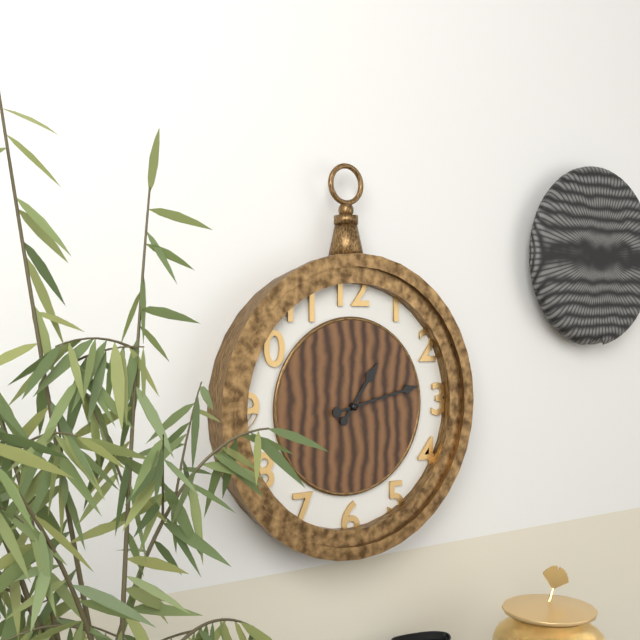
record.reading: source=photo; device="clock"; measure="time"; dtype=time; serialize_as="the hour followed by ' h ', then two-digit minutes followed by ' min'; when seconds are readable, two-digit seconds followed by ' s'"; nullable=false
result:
1 h 13 min
